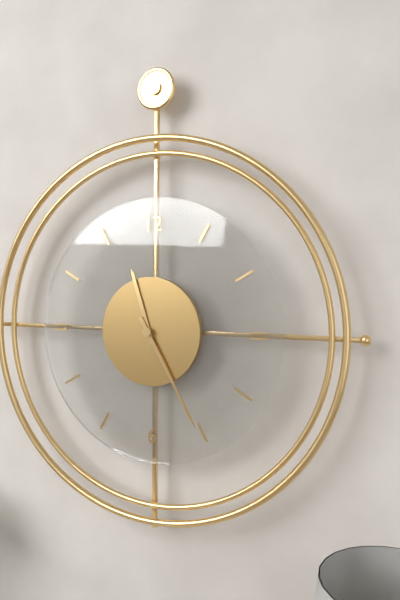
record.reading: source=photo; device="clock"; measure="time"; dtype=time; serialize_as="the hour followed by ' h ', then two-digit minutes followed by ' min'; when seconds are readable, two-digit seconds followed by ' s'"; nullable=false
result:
11 h 25 min
